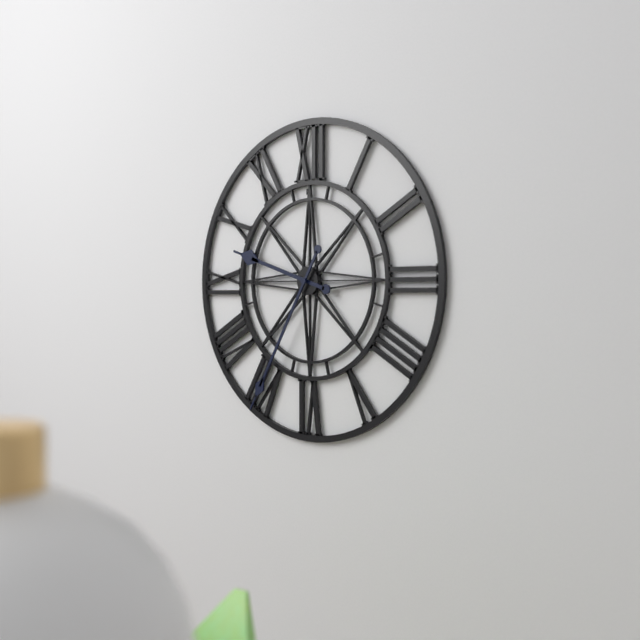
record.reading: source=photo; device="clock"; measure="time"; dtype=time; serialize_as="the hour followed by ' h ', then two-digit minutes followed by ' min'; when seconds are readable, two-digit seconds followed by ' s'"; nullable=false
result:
9 h 35 min
